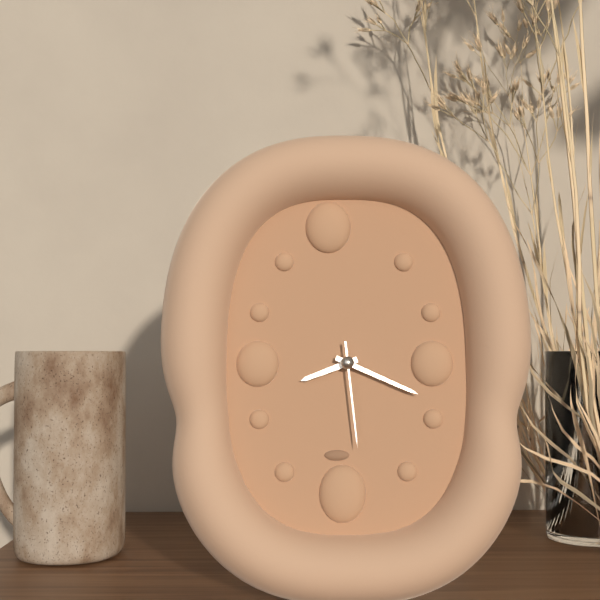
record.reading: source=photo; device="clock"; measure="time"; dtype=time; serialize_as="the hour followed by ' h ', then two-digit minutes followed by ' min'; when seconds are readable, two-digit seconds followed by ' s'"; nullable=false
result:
8 h 19 min 29 s
